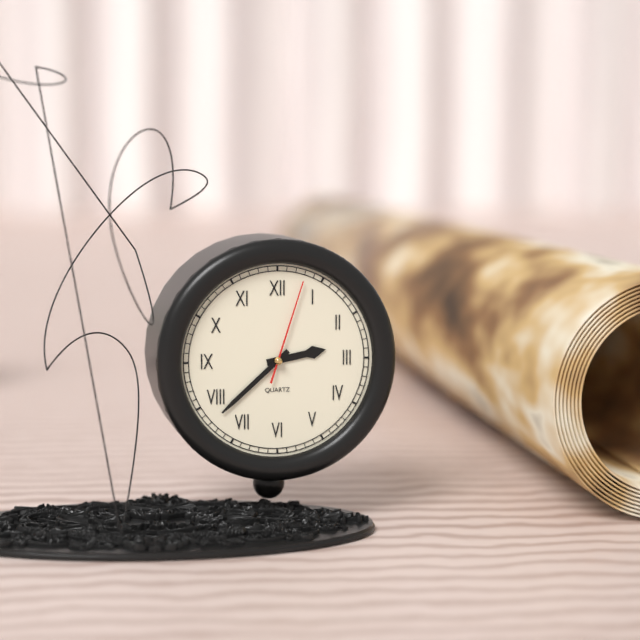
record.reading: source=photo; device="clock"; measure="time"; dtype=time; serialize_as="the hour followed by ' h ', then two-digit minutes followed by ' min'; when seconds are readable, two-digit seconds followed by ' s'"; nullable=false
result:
2 h 38 min 03 s
